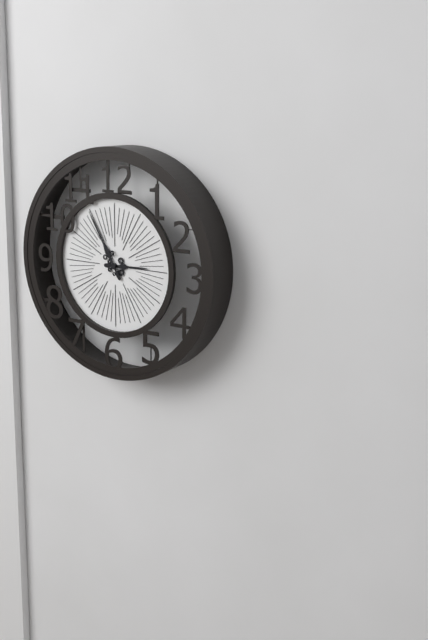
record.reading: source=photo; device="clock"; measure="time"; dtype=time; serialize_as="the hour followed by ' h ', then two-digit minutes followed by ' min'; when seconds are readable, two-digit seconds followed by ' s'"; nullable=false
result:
2 h 55 min
